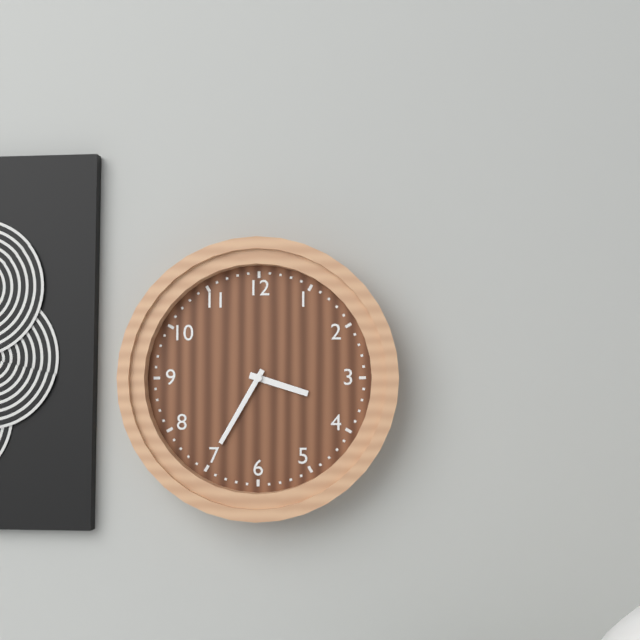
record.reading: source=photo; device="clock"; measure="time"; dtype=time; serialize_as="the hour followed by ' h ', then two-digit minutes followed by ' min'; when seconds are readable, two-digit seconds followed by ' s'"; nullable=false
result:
3 h 35 min
